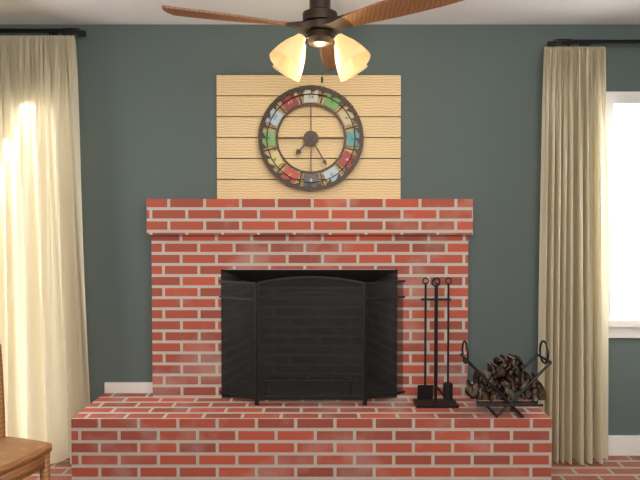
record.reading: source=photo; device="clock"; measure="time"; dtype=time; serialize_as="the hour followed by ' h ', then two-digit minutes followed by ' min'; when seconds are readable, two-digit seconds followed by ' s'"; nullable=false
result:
7 h 25 min
